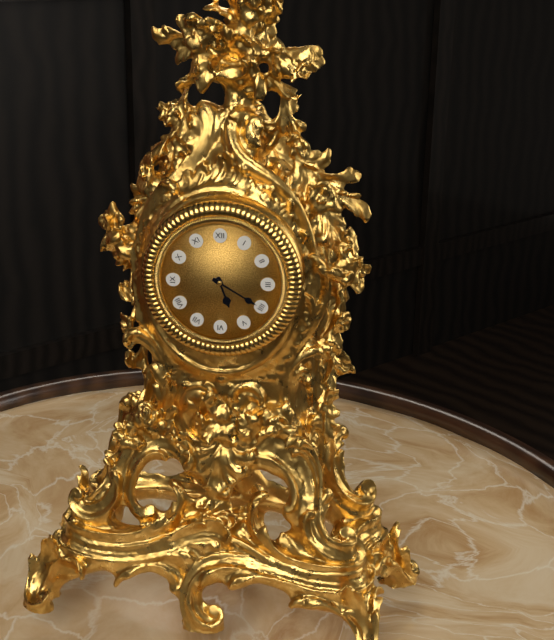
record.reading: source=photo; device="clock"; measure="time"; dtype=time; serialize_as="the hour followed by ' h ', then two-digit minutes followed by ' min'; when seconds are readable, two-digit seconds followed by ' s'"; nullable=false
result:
5 h 20 min
